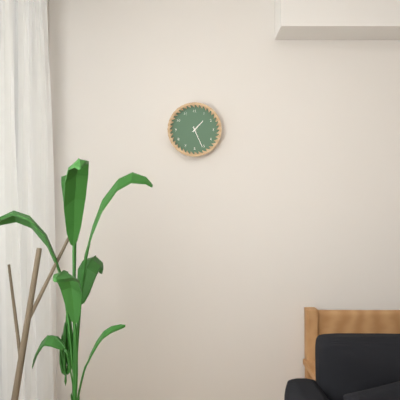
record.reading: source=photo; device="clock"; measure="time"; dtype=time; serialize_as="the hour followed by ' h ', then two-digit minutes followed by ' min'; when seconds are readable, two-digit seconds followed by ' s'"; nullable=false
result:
1 h 26 min
